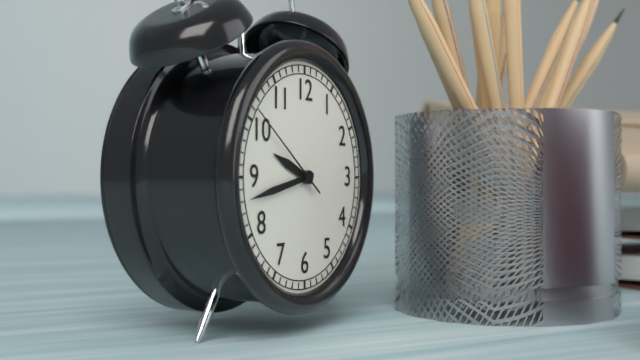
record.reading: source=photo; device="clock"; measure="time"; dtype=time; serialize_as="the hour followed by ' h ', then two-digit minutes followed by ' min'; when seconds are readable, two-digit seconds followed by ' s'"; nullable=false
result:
9 h 43 min 51 s
